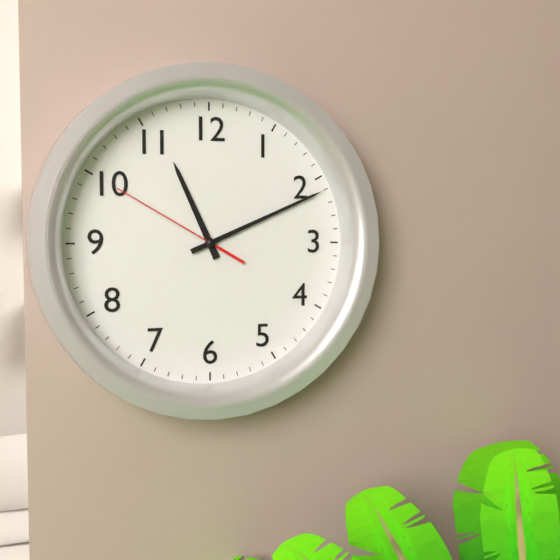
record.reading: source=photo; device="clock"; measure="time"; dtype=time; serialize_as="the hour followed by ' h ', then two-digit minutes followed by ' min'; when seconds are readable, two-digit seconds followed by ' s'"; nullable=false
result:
11 h 11 min 50 s
